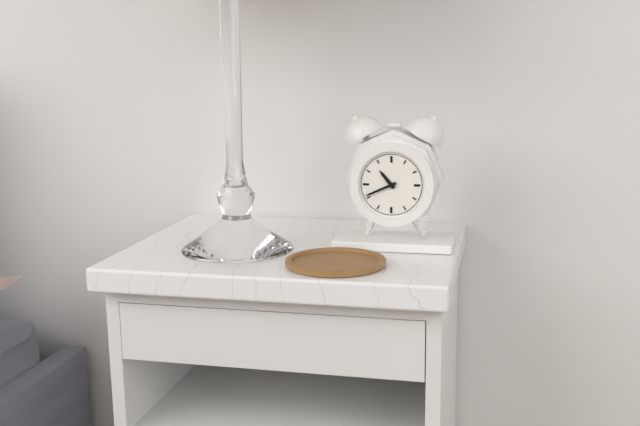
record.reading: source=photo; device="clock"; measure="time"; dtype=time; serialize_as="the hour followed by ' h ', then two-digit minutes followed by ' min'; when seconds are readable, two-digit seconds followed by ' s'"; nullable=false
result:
10 h 41 min
